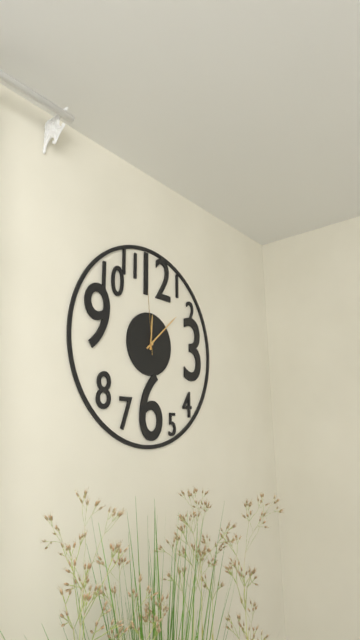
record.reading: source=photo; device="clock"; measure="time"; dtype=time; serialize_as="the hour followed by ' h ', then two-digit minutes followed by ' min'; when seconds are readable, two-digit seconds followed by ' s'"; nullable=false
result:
12 h 08 min 59 s
